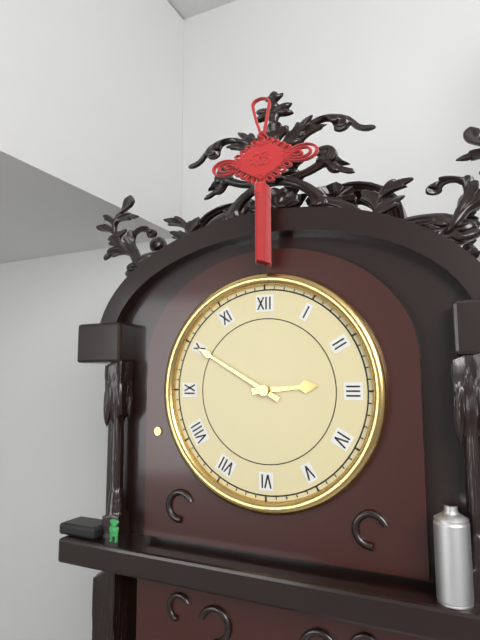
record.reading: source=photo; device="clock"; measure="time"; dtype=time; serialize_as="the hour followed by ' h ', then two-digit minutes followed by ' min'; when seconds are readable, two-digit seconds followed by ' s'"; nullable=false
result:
2 h 50 min
